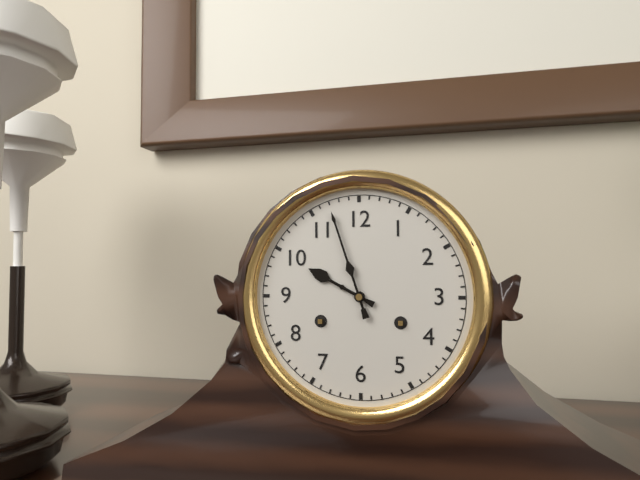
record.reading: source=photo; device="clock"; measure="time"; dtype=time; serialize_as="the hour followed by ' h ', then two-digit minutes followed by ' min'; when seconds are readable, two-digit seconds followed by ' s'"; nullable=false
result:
9 h 57 min
